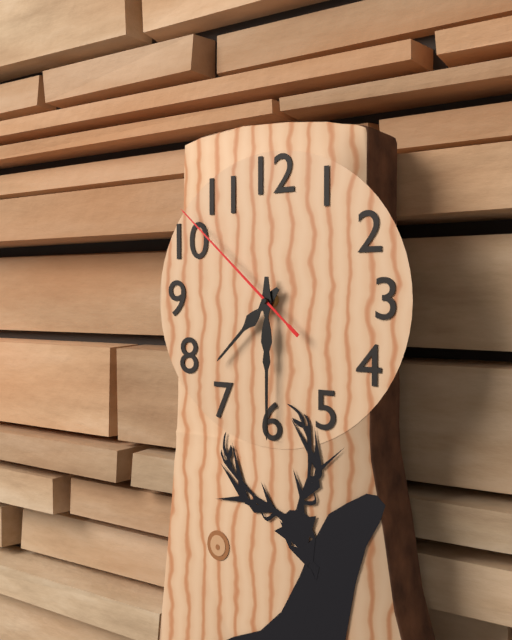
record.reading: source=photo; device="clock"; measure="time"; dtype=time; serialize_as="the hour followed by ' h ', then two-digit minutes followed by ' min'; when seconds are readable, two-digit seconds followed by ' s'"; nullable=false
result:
7 h 30 min 52 s
